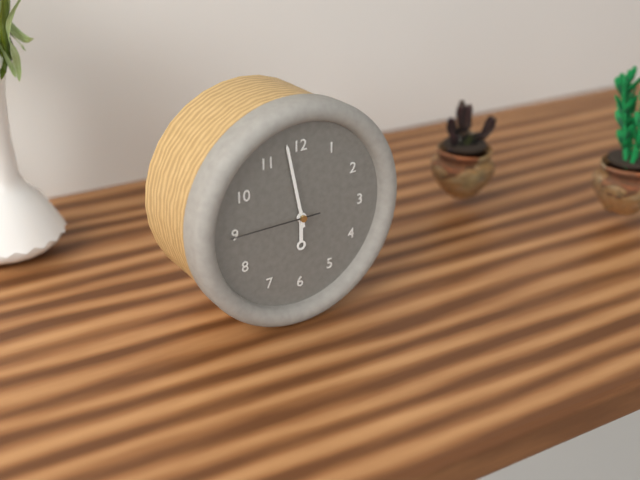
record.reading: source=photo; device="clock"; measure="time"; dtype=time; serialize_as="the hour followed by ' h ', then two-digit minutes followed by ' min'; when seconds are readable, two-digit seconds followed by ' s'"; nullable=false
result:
5 h 58 min 45 s
